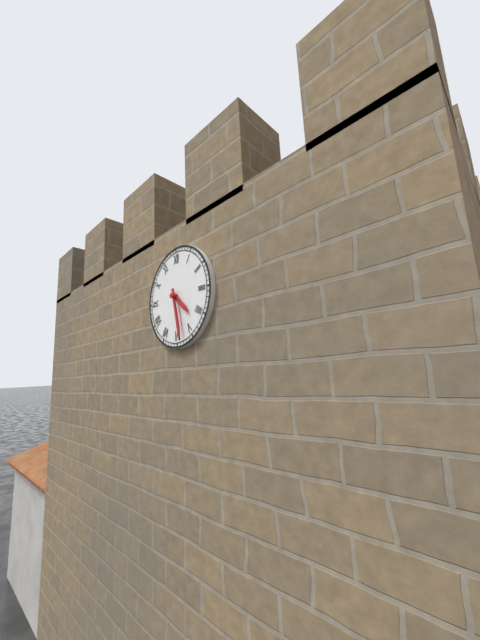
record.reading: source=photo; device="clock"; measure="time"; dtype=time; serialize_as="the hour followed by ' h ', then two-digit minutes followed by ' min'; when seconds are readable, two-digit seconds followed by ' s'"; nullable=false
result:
4 h 28 min
